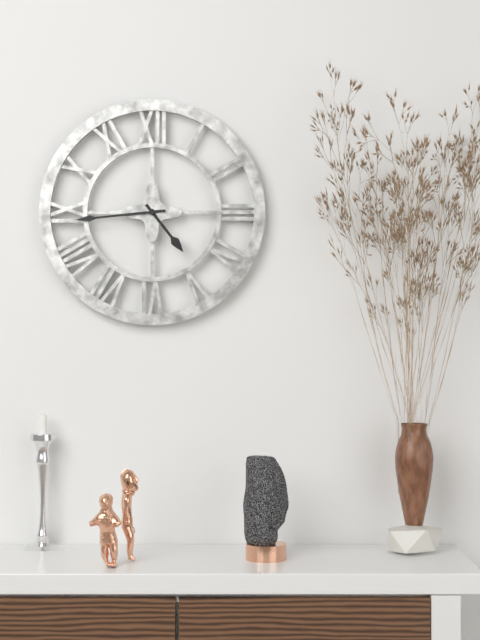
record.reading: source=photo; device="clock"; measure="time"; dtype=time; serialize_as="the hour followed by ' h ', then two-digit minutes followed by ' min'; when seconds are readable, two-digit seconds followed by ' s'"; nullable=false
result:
4 h 44 min
